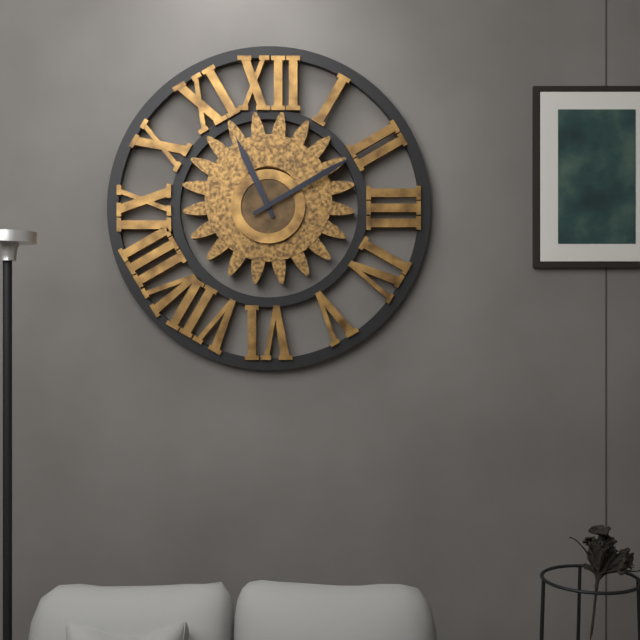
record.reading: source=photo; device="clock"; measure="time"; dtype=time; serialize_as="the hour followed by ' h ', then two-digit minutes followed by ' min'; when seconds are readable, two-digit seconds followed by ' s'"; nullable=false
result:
11 h 10 min
